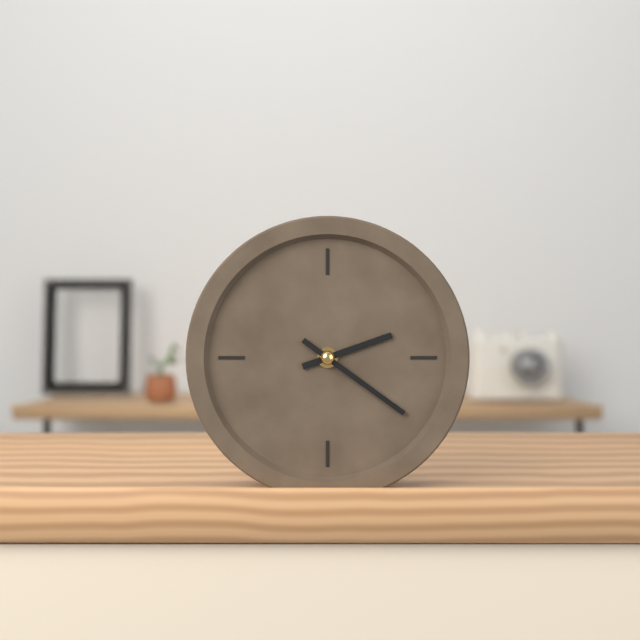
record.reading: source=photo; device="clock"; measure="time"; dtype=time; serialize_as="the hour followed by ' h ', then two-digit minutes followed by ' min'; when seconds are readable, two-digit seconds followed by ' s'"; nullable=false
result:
2 h 21 min
